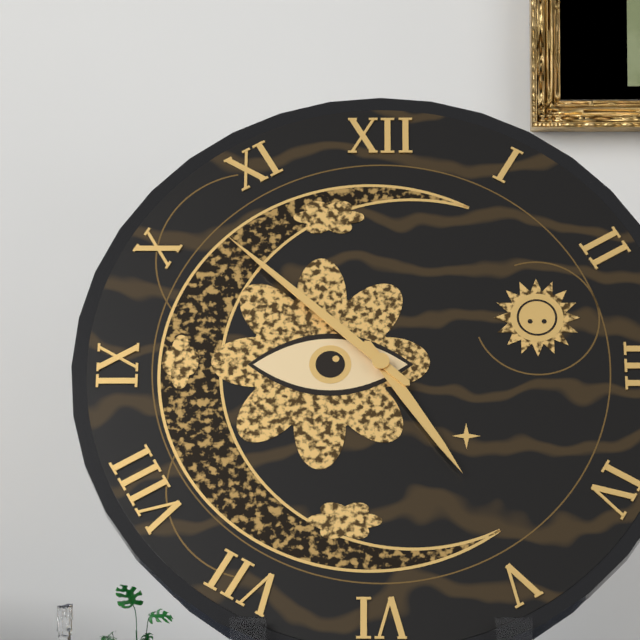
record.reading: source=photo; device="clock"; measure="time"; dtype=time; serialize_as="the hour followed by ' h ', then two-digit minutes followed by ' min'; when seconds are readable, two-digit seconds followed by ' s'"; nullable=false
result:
4 h 52 min
